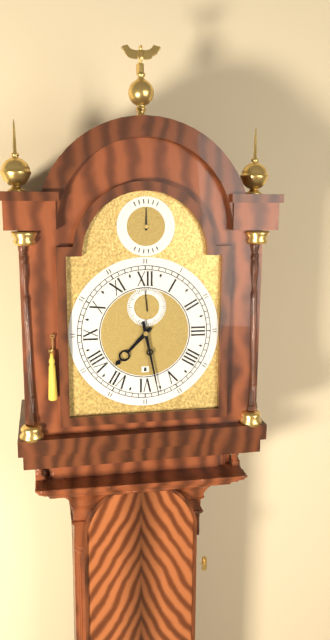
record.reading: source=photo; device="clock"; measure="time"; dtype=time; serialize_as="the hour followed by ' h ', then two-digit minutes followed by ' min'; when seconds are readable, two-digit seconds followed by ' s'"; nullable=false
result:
7 h 28 min
